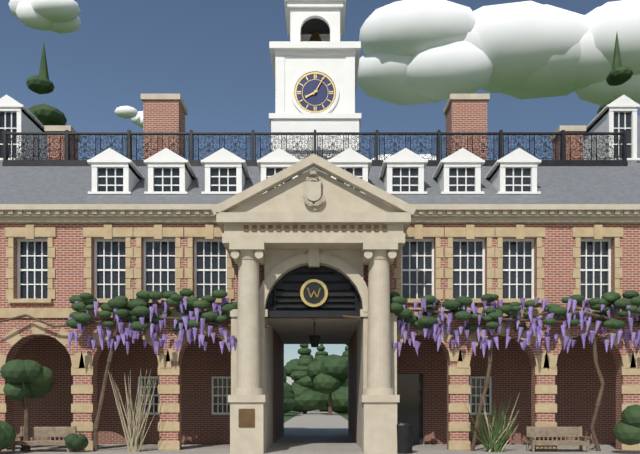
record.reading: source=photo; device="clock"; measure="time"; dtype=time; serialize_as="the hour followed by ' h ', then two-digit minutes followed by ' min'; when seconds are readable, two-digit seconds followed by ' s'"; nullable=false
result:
8 h 05 min
